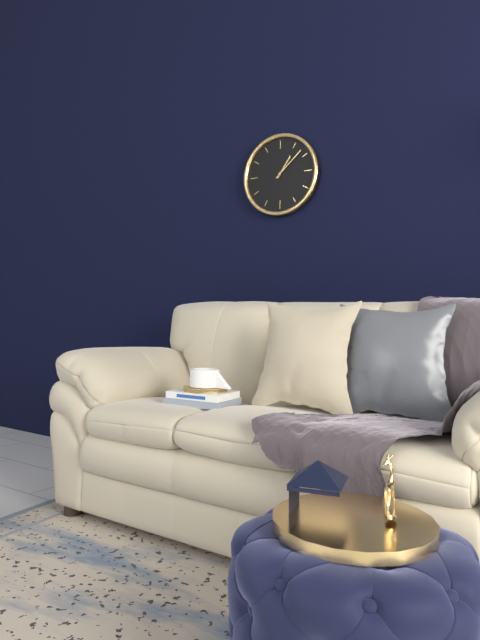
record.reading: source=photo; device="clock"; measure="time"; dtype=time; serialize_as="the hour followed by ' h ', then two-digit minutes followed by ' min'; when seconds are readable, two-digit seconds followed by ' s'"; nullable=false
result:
1 h 08 min
